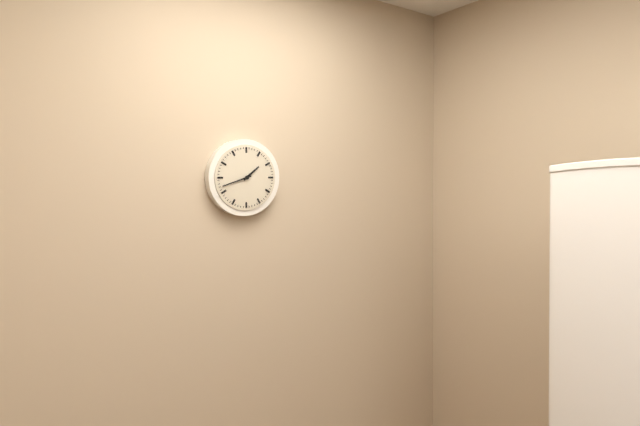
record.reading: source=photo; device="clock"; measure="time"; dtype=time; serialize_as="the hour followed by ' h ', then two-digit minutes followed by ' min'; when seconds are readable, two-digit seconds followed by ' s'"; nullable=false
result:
1 h 42 min
